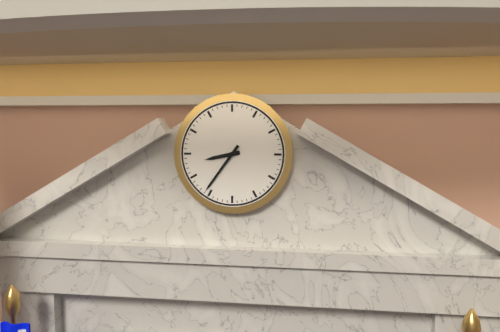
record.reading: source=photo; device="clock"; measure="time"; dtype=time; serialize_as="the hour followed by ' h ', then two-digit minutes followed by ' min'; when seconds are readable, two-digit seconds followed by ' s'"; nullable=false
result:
8 h 36 min
